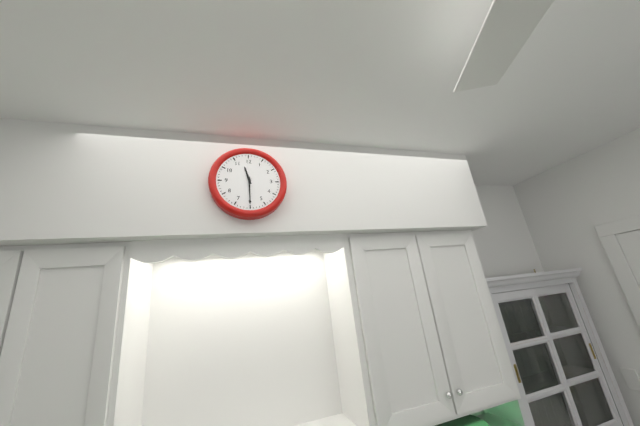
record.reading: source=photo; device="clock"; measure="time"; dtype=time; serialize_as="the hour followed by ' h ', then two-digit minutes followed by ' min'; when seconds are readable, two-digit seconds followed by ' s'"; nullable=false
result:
11 h 30 min
